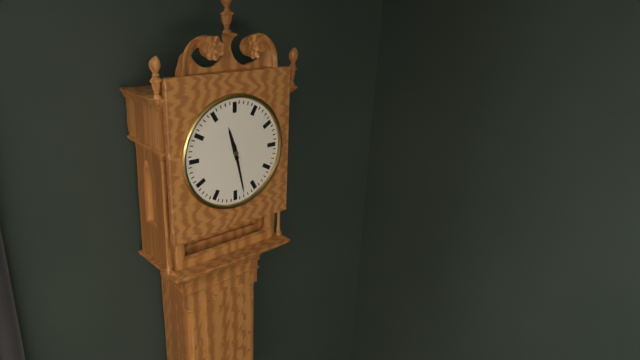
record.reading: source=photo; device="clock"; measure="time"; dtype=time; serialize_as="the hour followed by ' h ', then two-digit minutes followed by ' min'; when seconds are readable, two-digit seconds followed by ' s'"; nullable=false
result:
11 h 28 min
